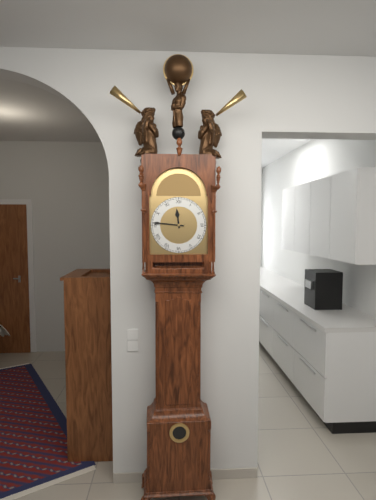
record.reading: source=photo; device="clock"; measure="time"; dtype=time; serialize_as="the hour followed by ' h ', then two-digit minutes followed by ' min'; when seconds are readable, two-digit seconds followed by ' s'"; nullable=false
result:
11 h 46 min
